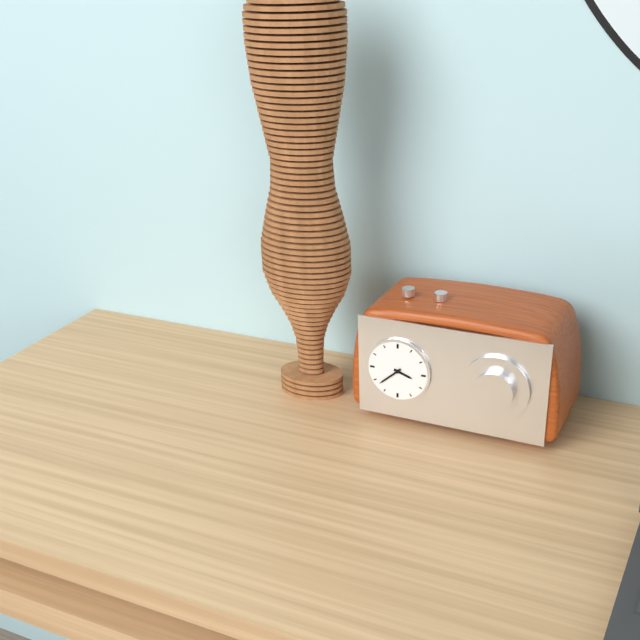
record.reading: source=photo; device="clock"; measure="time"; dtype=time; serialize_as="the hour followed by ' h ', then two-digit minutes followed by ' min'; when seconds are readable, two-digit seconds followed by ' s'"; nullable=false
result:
3 h 38 min
